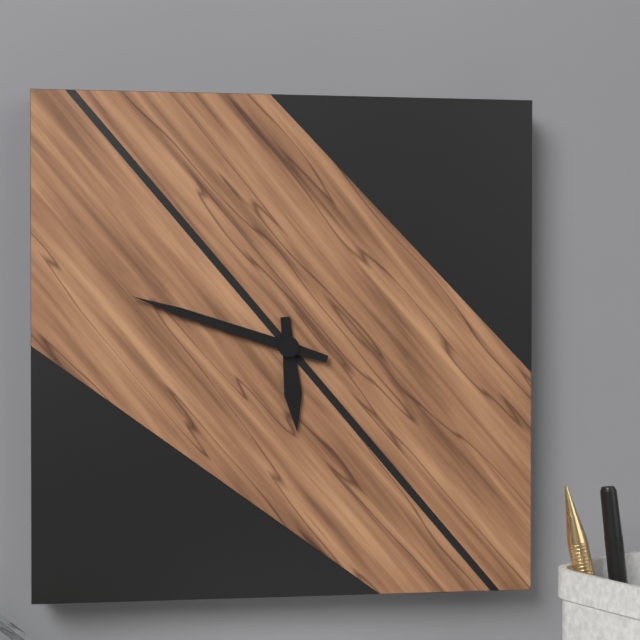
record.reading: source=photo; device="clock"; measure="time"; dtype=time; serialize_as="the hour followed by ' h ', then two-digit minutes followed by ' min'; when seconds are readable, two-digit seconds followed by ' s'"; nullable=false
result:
5 h 48 min
